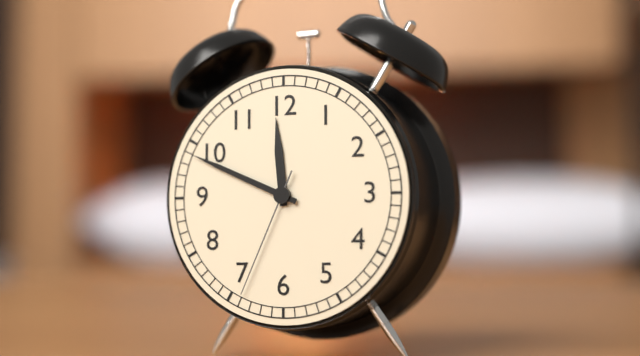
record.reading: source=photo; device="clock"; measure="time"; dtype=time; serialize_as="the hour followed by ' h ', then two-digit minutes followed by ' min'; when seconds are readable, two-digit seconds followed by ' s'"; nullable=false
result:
11 h 49 min 34 s
